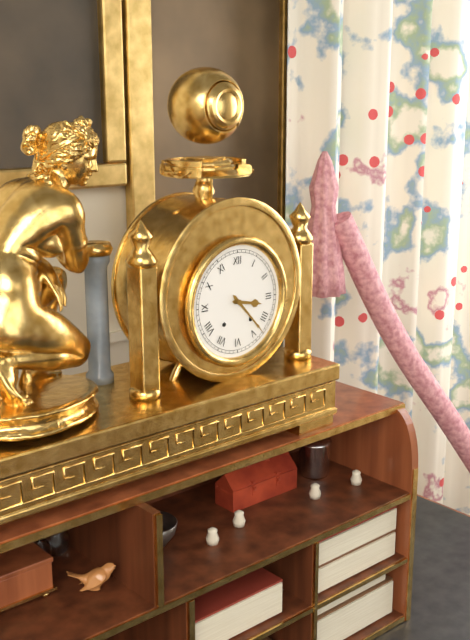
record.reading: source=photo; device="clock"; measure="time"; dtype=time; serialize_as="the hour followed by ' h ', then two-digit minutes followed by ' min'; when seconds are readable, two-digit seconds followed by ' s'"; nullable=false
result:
3 h 23 min
